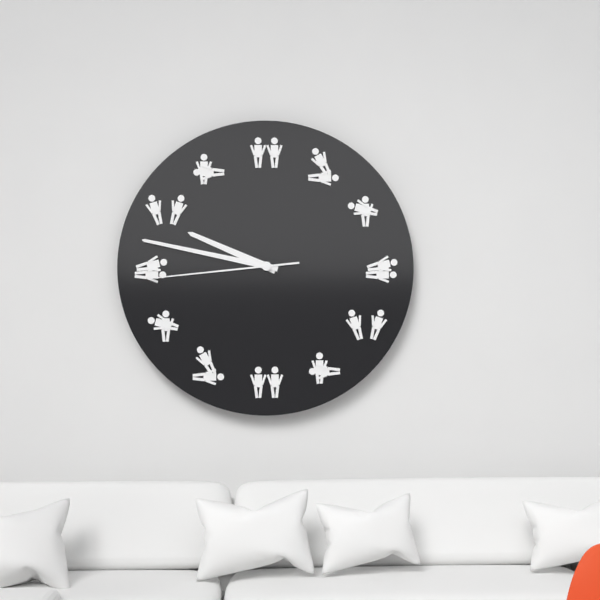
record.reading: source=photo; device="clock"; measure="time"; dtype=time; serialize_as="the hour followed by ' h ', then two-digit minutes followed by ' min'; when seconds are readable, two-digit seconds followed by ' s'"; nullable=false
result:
9 h 47 min 44 s
